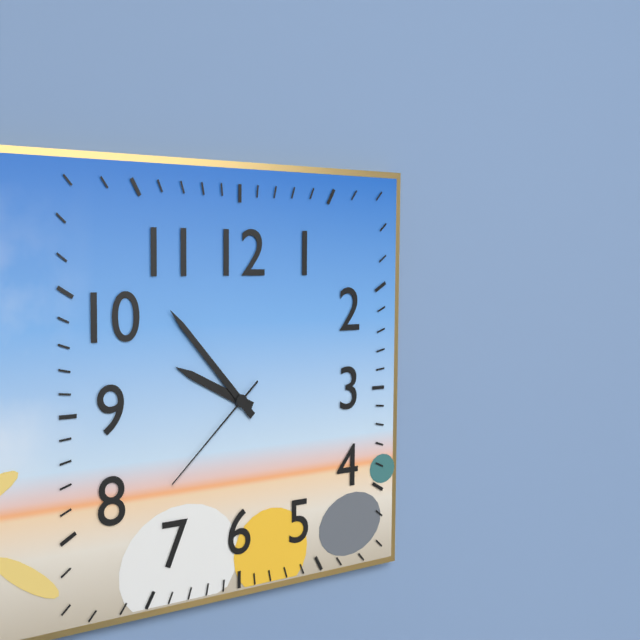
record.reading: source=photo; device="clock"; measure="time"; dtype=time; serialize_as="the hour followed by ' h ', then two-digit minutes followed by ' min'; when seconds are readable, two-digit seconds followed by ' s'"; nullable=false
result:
9 h 53 min 38 s
